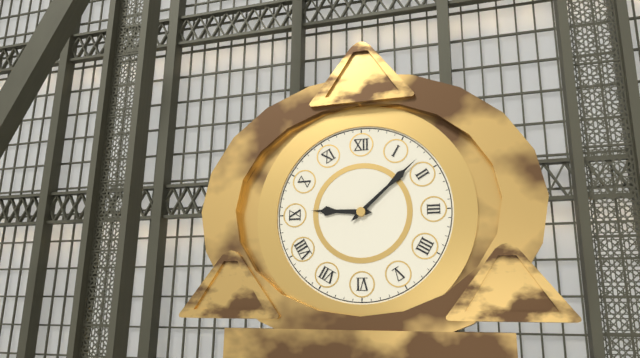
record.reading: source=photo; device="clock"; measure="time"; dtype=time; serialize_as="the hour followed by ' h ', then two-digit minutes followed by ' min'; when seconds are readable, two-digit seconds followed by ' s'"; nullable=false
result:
9 h 08 min
